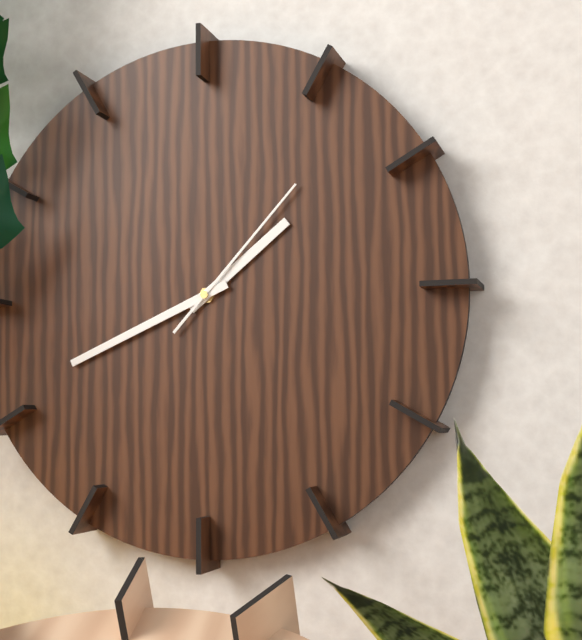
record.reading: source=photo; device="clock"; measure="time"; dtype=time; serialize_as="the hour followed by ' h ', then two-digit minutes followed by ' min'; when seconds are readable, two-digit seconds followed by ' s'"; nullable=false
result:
1 h 41 min 07 s
